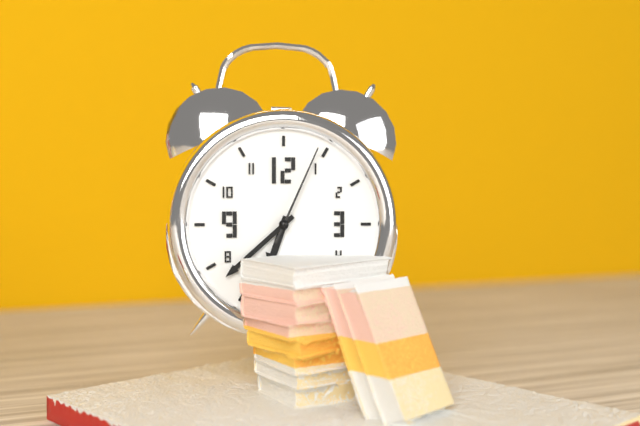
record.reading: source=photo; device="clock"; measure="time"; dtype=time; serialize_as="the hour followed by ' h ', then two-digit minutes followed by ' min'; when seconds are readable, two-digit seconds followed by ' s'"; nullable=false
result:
6 h 38 min 04 s
